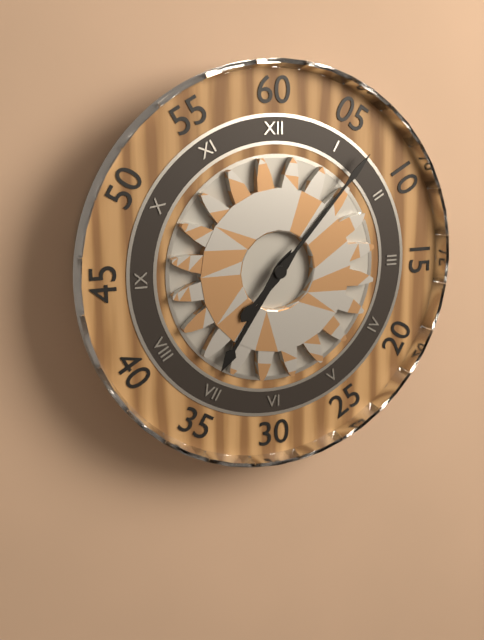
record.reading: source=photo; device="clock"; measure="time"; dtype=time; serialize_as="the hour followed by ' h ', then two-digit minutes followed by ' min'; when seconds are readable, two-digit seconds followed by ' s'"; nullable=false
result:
7 h 07 min
